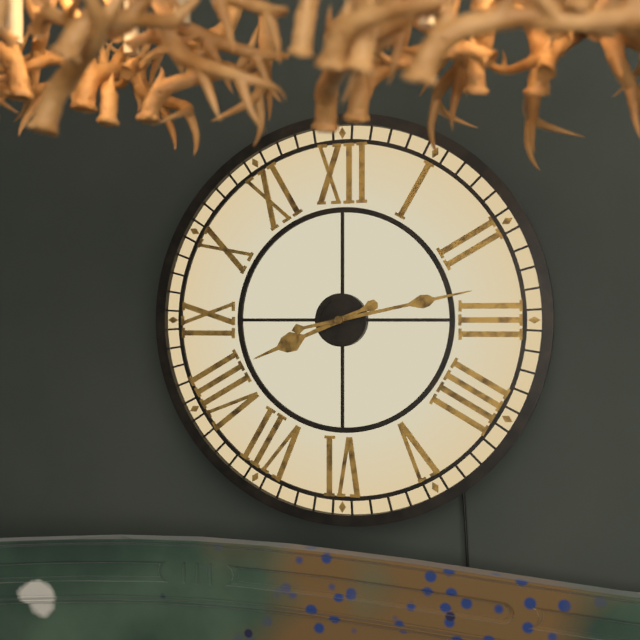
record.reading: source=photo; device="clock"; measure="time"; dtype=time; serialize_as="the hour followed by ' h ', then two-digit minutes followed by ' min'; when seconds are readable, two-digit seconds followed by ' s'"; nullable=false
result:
8 h 13 min
